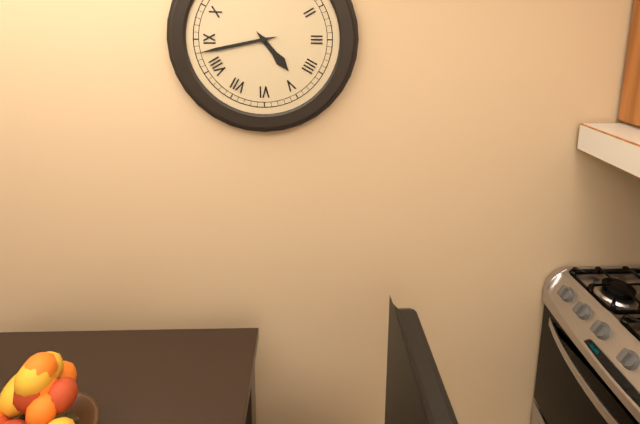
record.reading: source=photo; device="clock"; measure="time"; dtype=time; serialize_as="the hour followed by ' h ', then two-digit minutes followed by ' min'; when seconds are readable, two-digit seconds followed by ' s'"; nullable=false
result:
4 h 43 min
